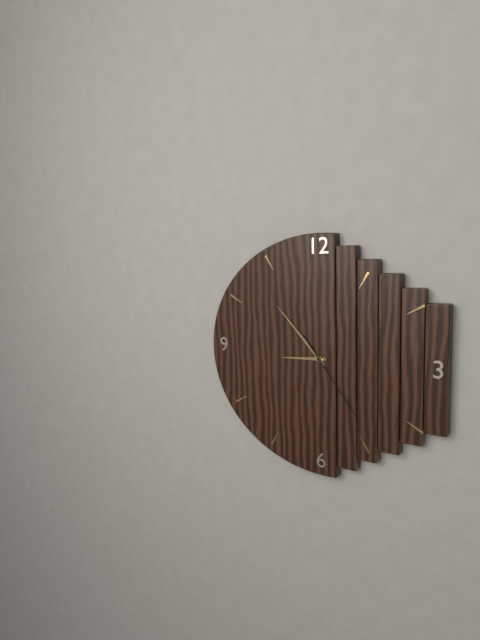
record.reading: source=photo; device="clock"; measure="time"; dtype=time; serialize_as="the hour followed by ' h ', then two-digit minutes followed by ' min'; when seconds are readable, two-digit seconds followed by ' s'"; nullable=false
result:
8 h 53 min 24 s
